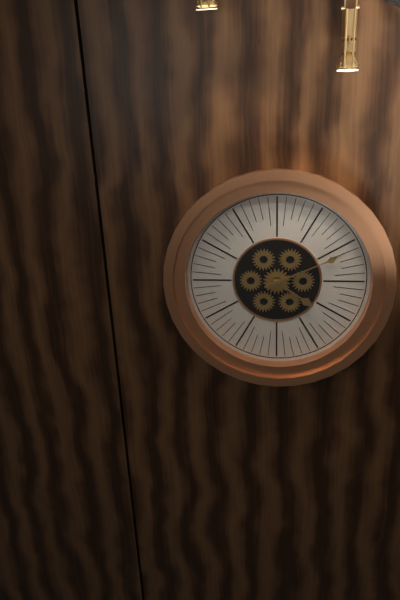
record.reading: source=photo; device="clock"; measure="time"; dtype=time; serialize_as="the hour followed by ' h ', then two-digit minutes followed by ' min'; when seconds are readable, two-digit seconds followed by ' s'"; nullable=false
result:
4 h 11 min
